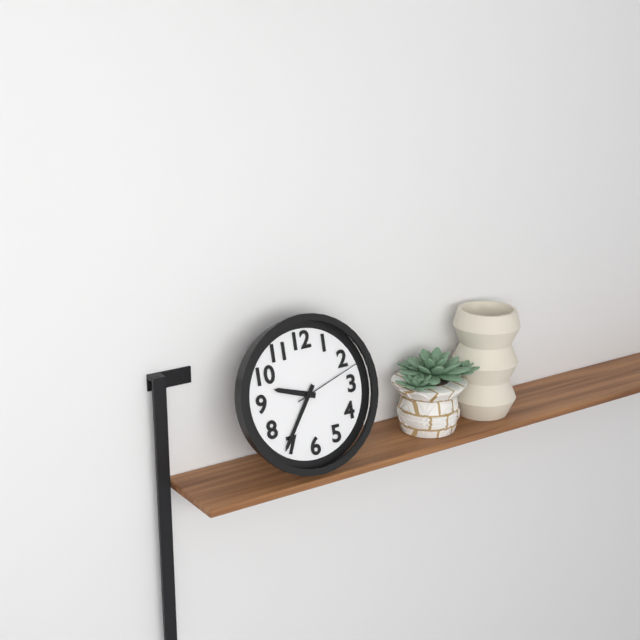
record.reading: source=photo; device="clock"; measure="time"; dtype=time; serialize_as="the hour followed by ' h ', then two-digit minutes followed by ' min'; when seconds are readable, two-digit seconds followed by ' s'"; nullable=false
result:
9 h 36 min 12 s
